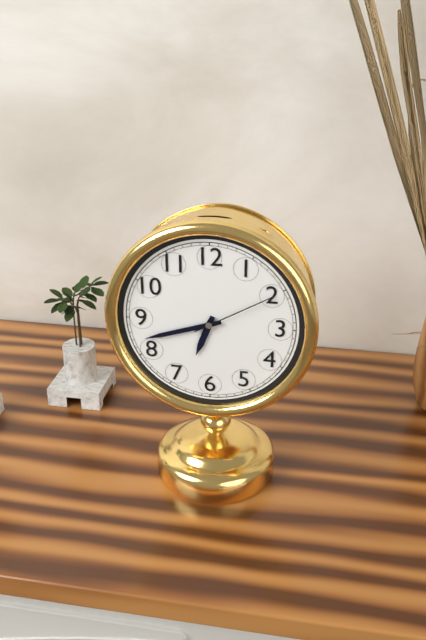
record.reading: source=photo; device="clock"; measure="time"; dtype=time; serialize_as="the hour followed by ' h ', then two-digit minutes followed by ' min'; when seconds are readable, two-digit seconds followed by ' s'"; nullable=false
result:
6 h 42 min 10 s
